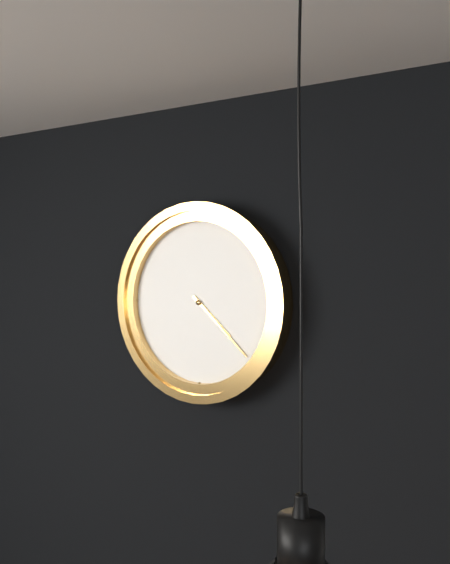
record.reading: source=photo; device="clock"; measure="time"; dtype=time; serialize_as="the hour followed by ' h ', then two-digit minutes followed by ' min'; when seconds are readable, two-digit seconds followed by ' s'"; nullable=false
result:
4 h 22 min
